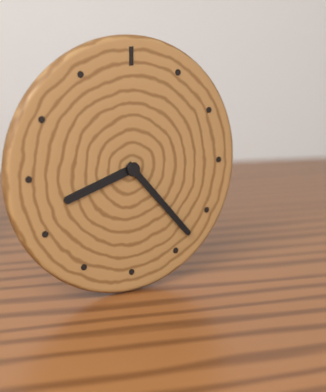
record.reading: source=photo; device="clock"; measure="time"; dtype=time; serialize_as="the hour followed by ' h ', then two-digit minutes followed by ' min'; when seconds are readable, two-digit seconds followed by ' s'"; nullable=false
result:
8 h 23 min
